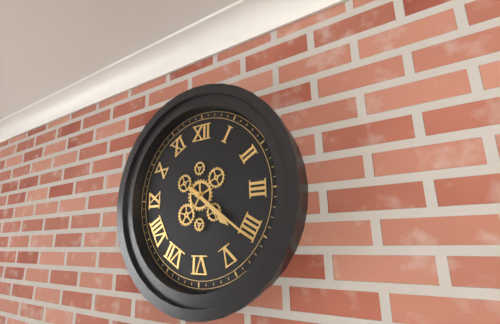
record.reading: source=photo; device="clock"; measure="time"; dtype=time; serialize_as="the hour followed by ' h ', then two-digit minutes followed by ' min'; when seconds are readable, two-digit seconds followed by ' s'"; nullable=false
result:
4 h 21 min
